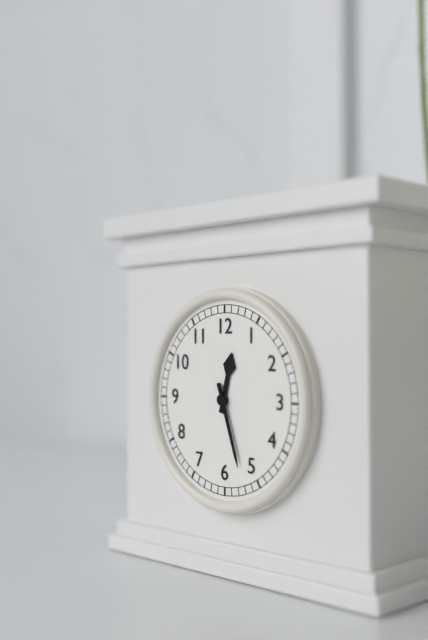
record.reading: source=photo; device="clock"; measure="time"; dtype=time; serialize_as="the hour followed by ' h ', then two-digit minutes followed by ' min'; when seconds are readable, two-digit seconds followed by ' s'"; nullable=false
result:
12 h 27 min
